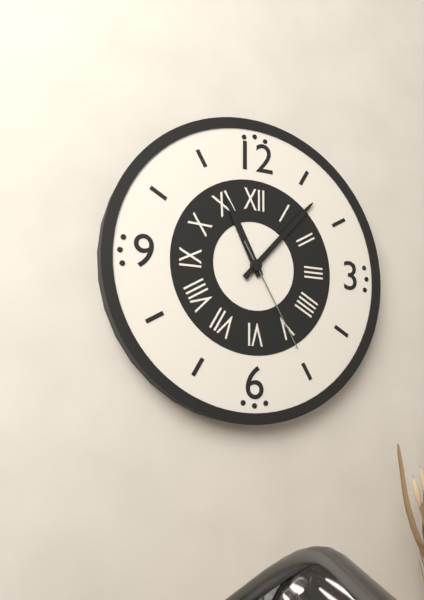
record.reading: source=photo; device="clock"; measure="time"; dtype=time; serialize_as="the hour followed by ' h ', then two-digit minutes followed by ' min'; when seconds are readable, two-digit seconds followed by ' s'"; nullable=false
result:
11 h 07 min 25 s
